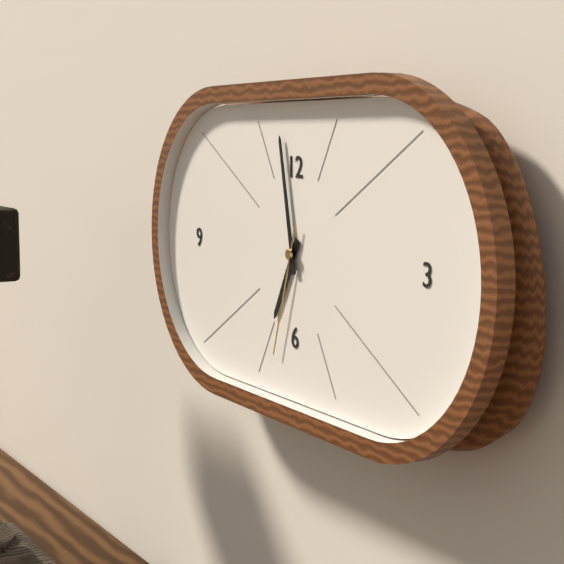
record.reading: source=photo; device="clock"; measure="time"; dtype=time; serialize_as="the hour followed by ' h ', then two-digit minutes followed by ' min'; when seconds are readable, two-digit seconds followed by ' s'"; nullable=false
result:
6 h 58 min 33 s
